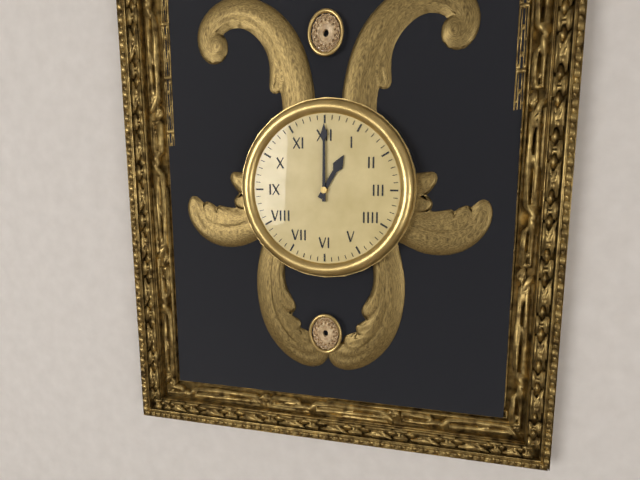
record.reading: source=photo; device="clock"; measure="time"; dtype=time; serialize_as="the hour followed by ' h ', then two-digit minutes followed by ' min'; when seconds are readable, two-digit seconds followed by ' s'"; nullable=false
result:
1 h 00 min
